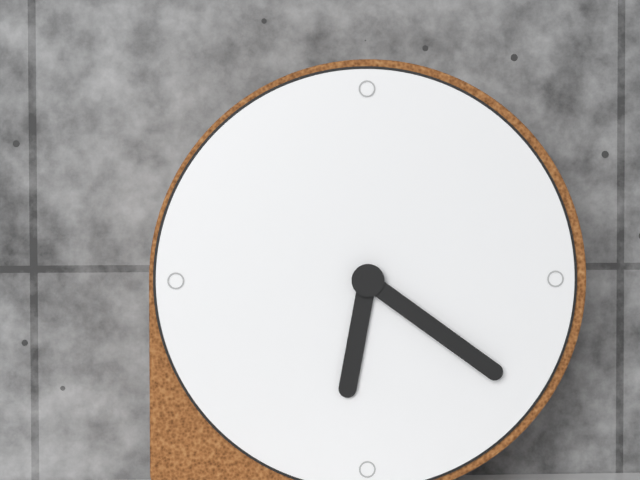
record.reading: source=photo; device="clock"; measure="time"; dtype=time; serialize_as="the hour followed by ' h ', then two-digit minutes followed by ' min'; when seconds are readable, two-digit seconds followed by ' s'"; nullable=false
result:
6 h 21 min
